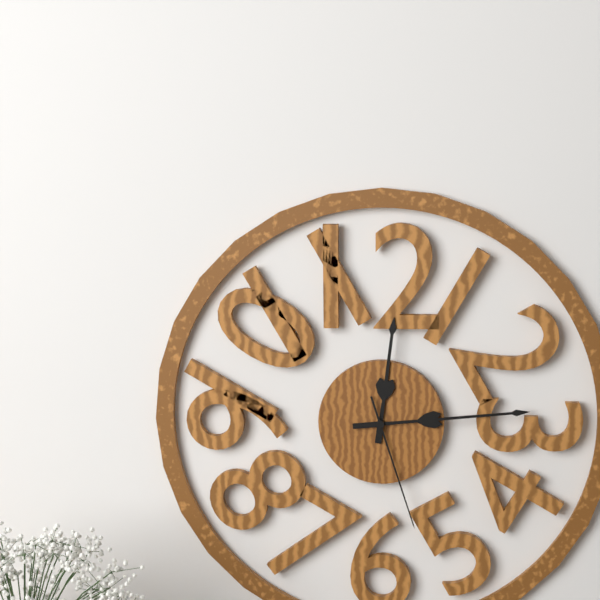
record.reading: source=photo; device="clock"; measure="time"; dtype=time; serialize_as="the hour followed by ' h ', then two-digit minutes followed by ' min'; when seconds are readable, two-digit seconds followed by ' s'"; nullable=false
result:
12 h 14 min 27 s
